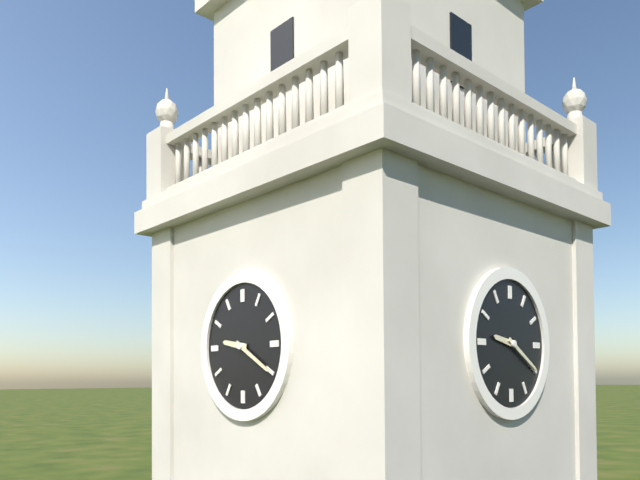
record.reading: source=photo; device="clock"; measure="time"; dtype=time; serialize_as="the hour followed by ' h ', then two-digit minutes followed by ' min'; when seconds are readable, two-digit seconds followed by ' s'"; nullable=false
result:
9 h 20 min
